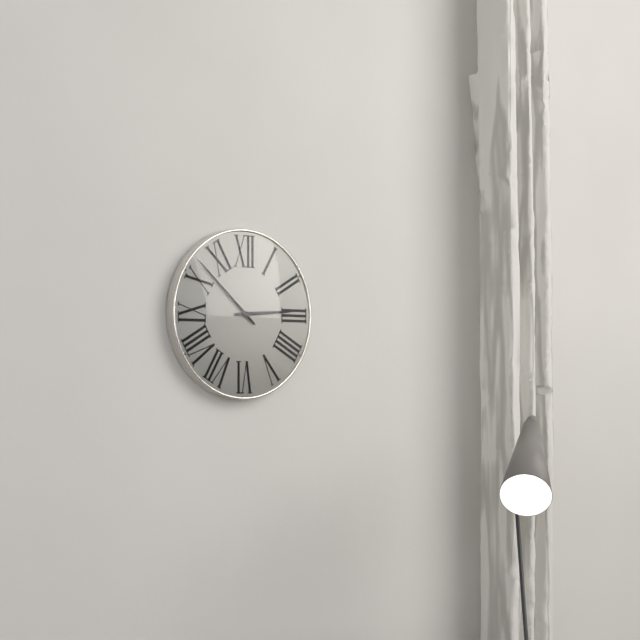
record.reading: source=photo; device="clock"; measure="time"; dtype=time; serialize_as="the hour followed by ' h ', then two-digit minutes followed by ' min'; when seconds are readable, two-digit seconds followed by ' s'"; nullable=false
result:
2 h 52 min
